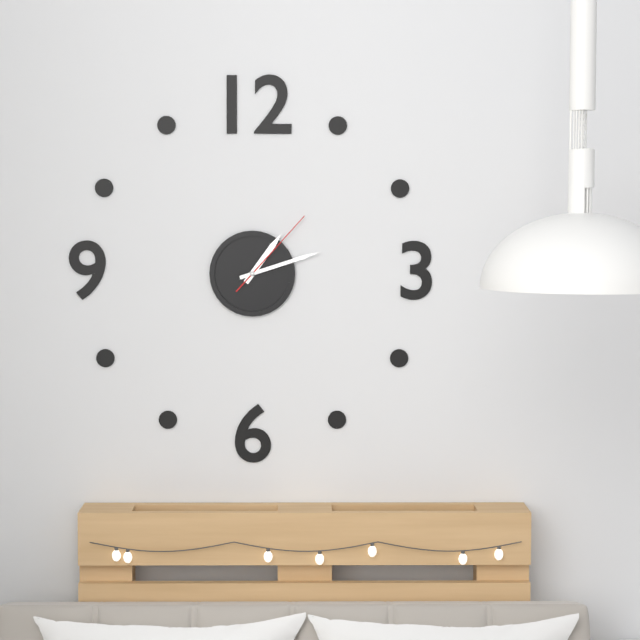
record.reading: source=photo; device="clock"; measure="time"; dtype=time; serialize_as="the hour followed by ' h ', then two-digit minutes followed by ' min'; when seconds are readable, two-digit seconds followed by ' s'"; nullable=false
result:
1 h 12 min 07 s
